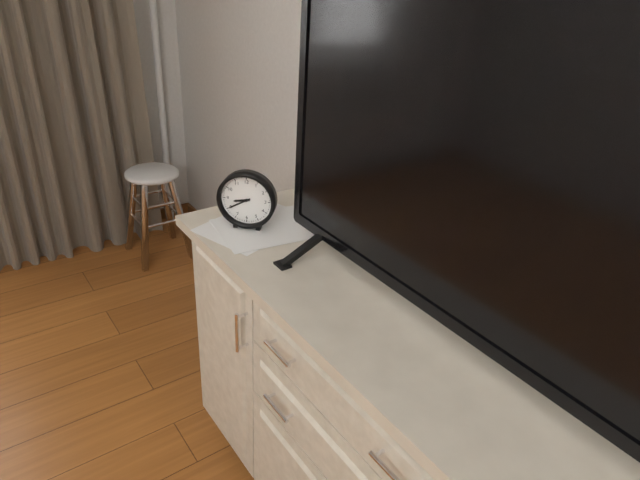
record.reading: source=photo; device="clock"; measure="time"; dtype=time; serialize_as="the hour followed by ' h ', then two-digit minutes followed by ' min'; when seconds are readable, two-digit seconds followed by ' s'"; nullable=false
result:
8 h 40 min
